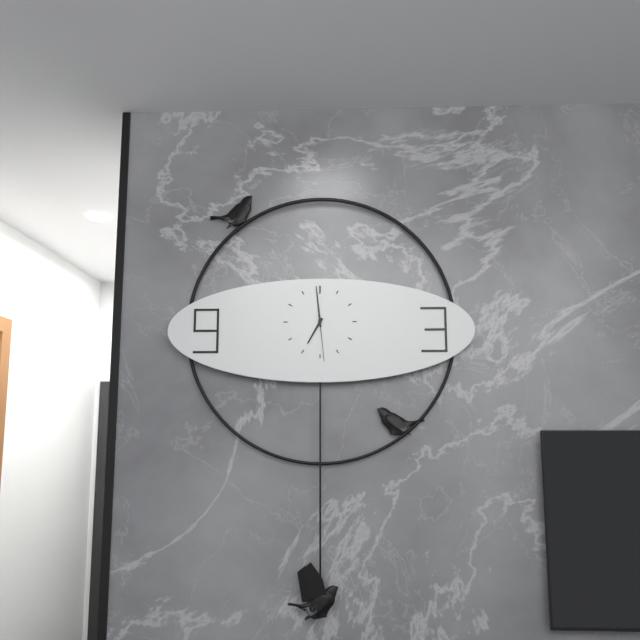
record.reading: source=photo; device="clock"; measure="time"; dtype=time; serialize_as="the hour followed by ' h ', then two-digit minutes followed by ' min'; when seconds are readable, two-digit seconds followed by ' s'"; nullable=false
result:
6 h 59 min 29 s
